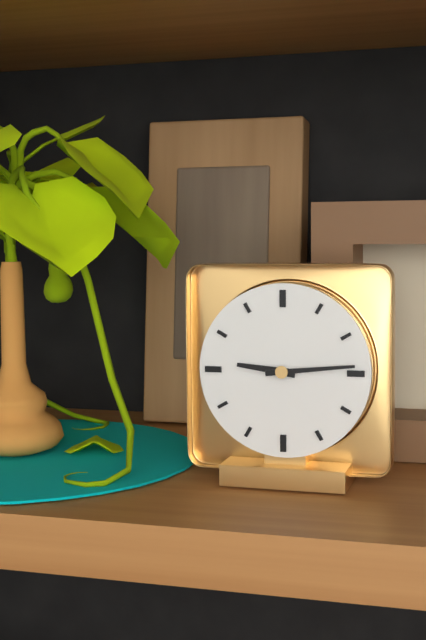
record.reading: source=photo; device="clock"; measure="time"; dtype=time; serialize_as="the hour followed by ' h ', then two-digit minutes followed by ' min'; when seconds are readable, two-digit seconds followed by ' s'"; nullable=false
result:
9 h 14 min
